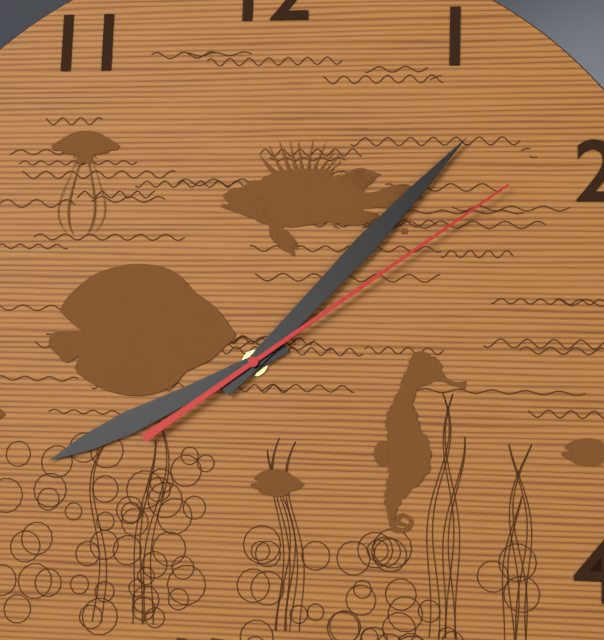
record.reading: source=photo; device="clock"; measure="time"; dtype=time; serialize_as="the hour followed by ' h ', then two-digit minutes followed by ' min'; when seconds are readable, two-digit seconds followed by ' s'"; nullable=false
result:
8 h 07 min 09 s
